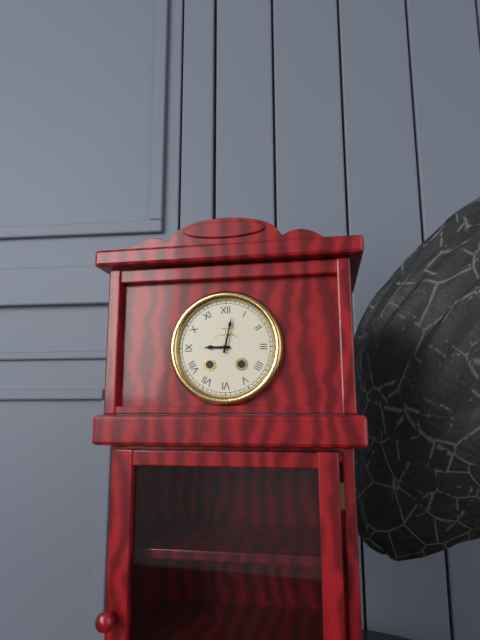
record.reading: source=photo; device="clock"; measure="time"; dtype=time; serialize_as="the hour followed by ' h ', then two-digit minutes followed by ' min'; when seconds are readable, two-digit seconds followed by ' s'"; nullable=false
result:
9 h 02 min
